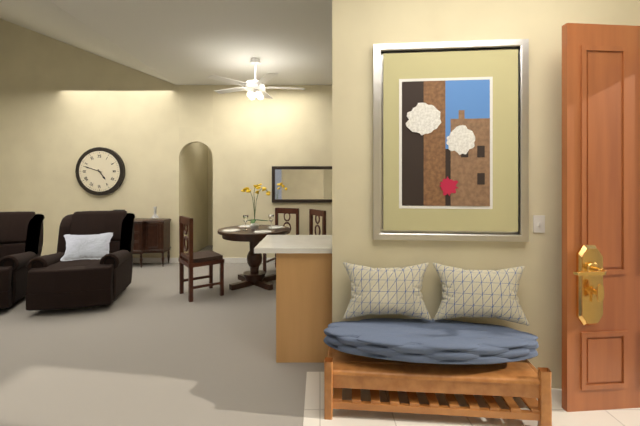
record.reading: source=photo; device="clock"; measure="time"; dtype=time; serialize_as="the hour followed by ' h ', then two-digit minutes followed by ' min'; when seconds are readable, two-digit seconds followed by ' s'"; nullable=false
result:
4 h 48 min
